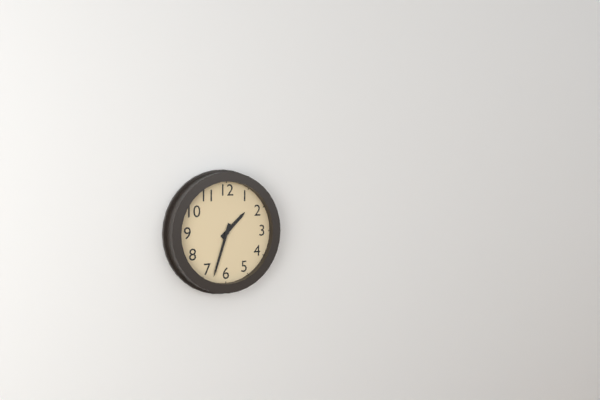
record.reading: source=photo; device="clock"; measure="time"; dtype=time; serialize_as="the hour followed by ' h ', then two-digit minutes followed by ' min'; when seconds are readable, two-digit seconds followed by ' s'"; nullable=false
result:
1 h 33 min
